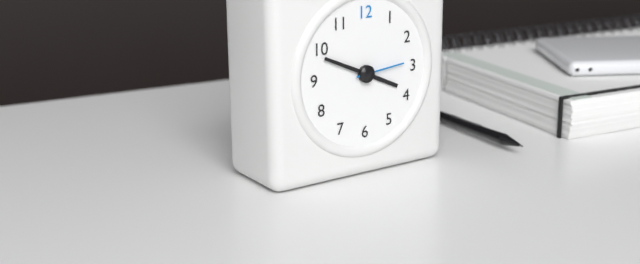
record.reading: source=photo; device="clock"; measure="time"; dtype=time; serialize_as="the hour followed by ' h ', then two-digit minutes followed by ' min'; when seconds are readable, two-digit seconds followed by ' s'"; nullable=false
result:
3 h 49 min
